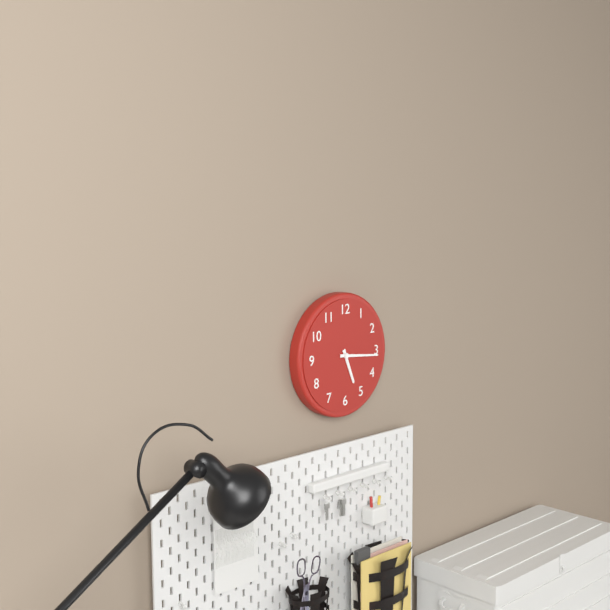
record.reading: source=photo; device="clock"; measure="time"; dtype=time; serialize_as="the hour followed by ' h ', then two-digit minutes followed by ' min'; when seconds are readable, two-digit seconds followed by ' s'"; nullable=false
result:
5 h 16 min
